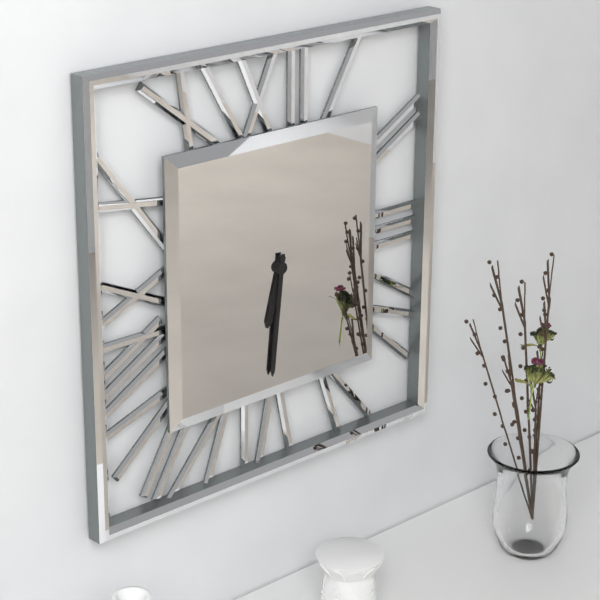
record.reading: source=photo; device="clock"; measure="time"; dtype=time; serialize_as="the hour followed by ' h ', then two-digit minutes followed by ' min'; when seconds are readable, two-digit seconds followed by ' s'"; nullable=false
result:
6 h 31 min
